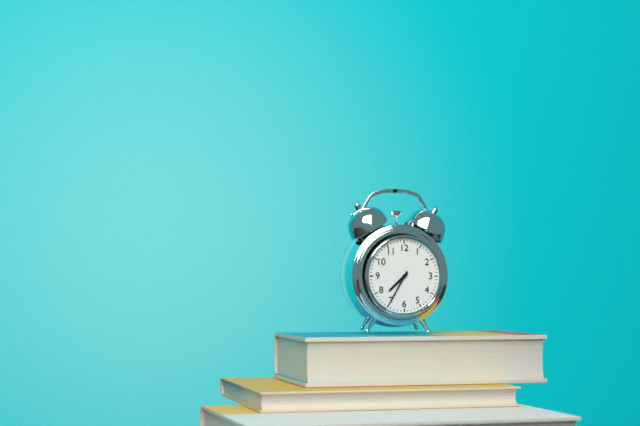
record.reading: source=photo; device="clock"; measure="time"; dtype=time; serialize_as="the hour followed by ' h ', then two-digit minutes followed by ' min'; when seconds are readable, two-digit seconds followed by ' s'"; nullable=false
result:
7 h 35 min
